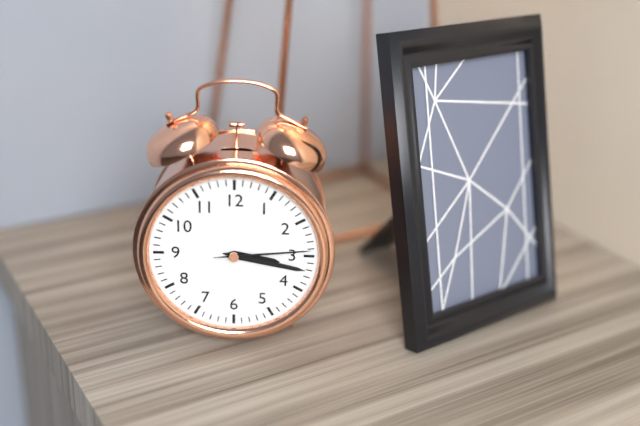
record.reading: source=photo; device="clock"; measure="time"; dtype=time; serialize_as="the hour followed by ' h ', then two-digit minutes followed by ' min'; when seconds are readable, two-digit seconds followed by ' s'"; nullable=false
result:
3 h 17 min 14 s
